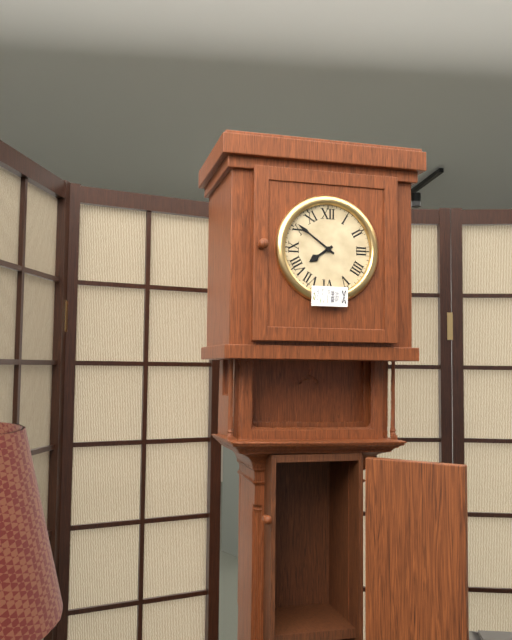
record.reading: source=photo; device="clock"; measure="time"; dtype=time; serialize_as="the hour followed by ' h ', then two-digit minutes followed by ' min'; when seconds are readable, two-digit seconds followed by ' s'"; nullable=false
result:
7 h 51 min
